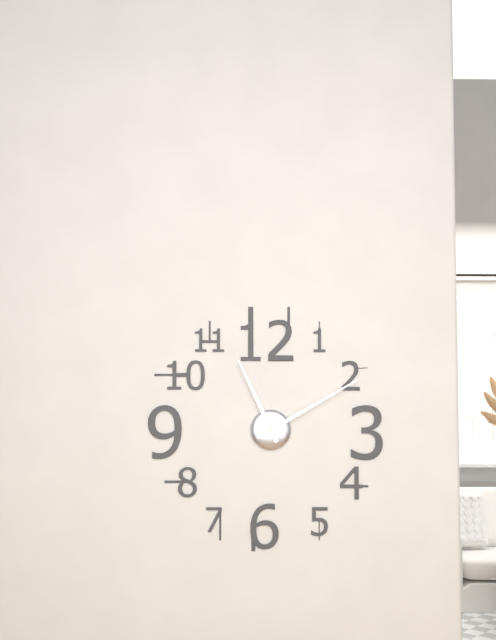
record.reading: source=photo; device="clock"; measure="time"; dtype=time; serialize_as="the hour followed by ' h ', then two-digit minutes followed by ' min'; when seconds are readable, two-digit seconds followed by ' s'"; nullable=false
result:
11 h 10 min
